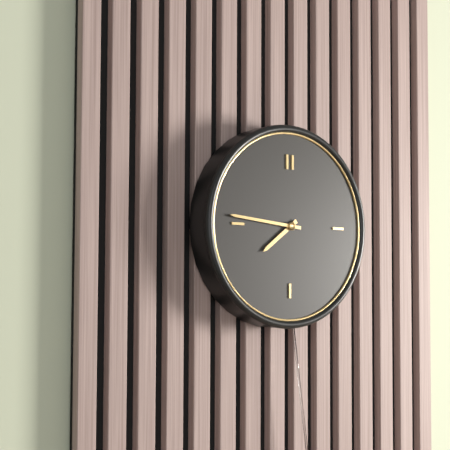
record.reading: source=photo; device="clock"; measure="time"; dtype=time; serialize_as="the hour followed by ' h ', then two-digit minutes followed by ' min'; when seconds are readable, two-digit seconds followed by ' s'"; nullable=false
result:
7 h 46 min
